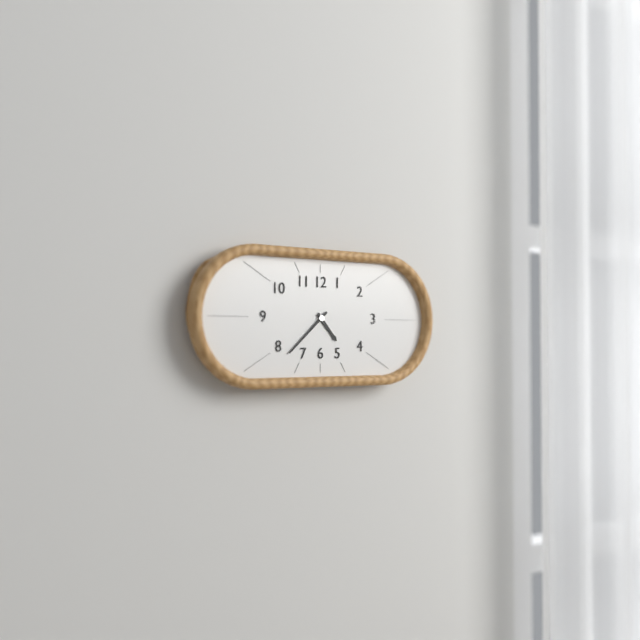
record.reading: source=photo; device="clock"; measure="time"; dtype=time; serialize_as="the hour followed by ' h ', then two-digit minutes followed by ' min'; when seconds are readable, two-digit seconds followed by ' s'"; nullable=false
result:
4 h 38 min
